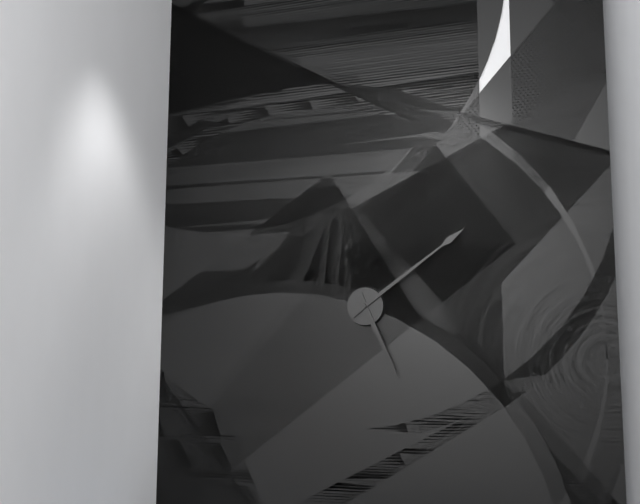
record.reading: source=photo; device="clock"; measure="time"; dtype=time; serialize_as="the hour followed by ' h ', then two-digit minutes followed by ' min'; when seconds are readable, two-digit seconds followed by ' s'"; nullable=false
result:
5 h 09 min
